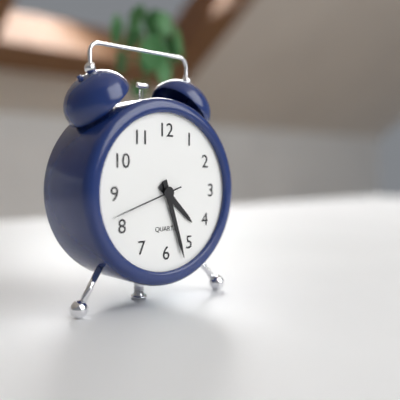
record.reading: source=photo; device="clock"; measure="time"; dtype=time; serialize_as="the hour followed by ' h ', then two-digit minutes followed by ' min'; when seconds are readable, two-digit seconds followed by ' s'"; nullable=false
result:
4 h 27 min 42 s
